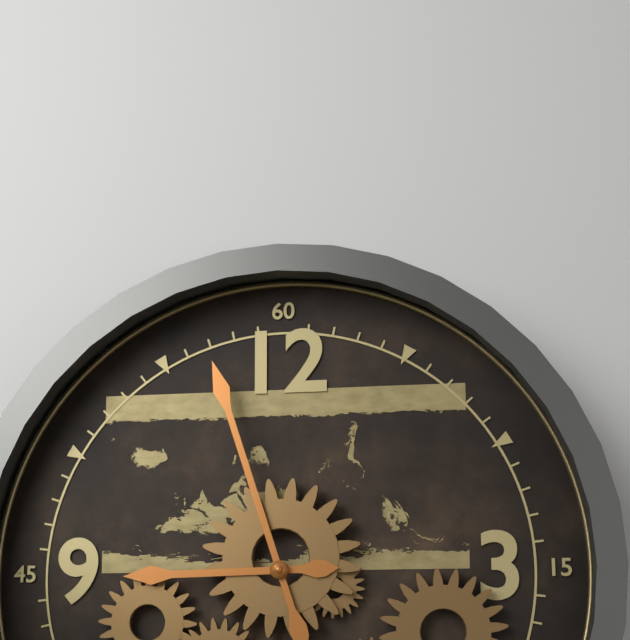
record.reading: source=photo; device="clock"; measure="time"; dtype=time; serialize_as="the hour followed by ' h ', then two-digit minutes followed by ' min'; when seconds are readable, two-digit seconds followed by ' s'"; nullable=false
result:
8 h 57 min
